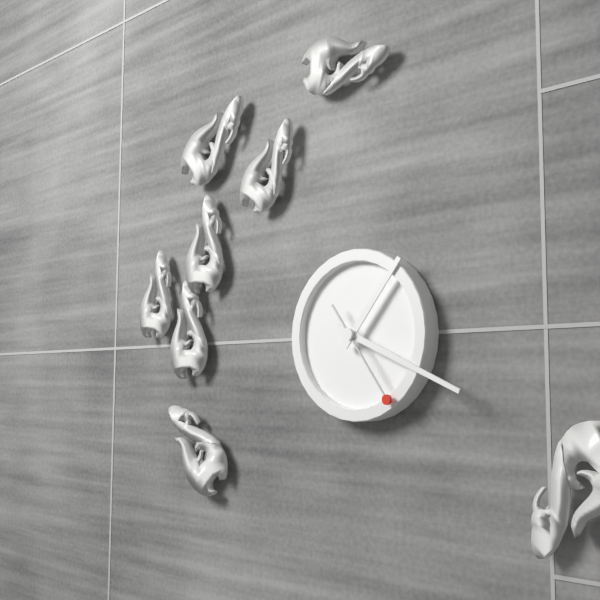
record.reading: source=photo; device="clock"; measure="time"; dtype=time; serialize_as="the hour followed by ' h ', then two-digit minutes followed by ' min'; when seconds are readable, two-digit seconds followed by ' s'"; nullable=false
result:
1 h 19 min 24 s
